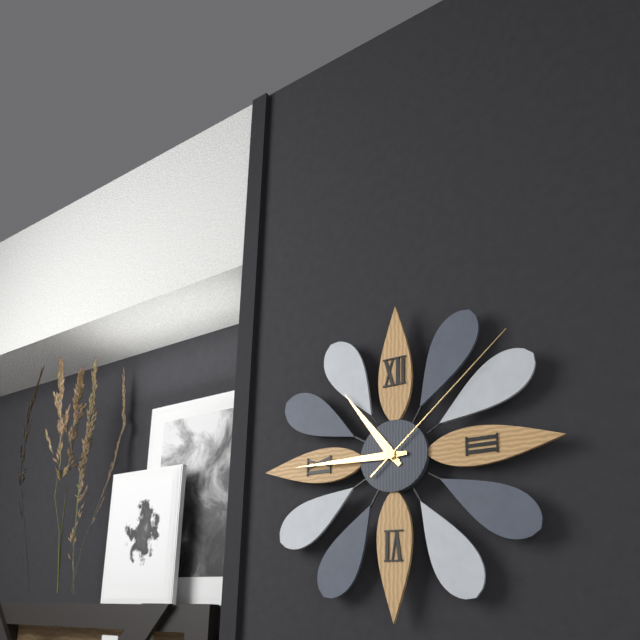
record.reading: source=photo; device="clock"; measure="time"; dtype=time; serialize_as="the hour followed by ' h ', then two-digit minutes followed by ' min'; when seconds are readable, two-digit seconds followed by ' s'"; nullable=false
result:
10 h 45 min 08 s
